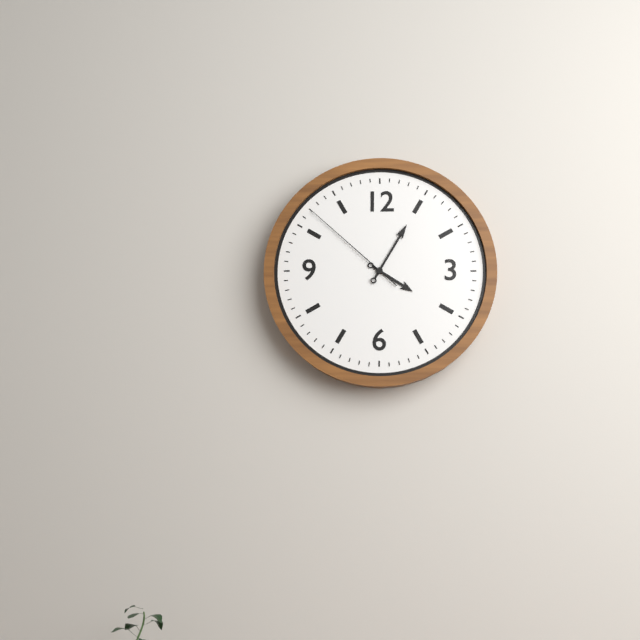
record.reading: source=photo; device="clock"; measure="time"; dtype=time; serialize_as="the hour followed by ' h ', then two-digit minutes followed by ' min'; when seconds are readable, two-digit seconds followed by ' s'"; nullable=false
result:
4 h 05 min 52 s
